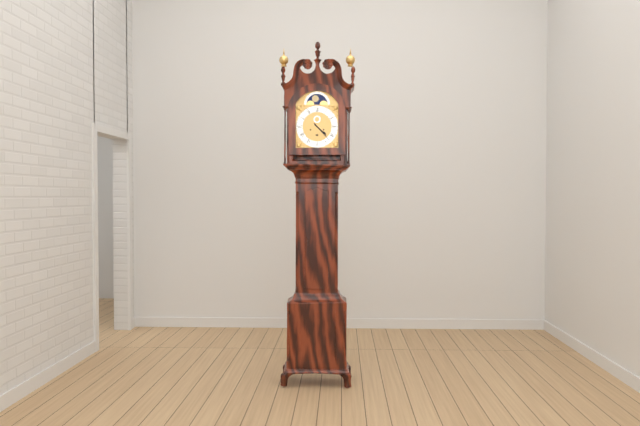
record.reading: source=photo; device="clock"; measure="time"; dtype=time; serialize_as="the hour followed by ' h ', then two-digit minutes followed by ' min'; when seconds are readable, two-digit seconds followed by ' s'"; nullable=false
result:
4 h 23 min
